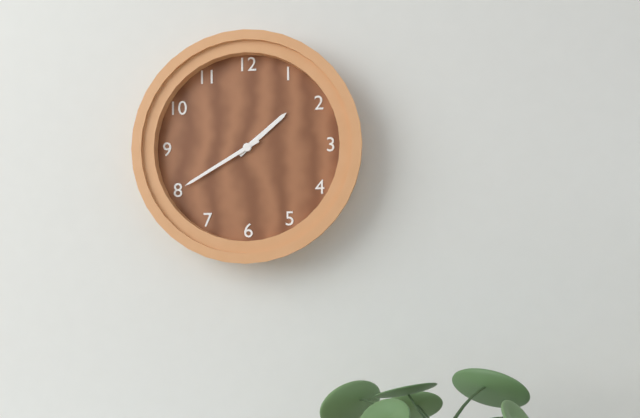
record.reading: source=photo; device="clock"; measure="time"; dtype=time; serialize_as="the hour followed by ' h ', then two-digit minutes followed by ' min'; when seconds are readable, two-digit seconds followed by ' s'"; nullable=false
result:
1 h 40 min
